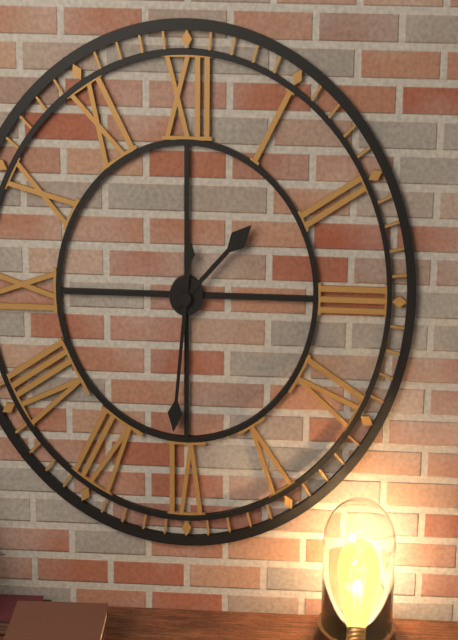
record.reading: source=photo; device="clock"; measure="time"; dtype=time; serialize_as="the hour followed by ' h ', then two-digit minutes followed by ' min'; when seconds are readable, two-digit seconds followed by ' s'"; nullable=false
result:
1 h 31 min
